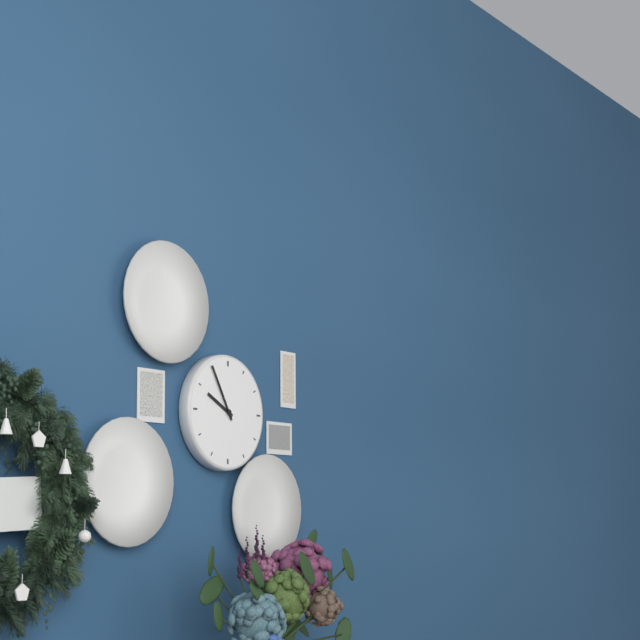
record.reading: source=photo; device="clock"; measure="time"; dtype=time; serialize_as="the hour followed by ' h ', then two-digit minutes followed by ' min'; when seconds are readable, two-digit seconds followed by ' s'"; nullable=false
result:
9 h 55 min
